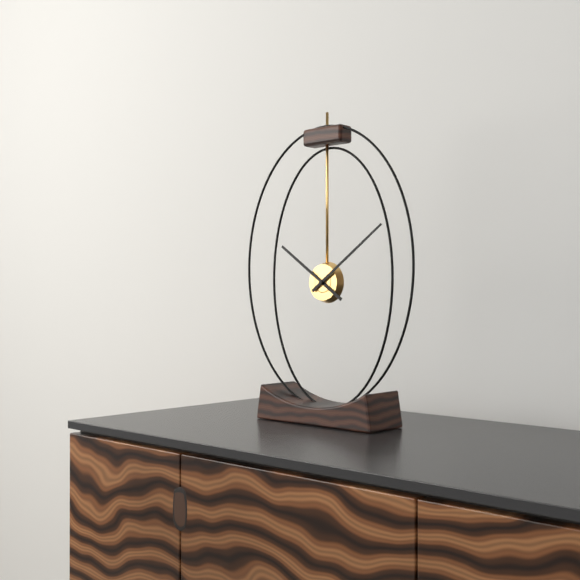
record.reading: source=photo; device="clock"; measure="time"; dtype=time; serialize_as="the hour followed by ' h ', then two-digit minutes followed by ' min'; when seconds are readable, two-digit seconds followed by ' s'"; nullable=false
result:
10 h 09 min
